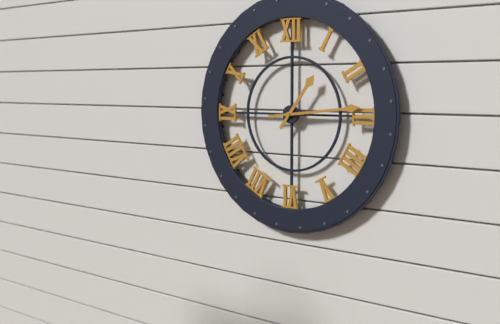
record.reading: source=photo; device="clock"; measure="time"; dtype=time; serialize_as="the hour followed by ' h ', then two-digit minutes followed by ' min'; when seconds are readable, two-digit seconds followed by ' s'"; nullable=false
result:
1 h 14 min
